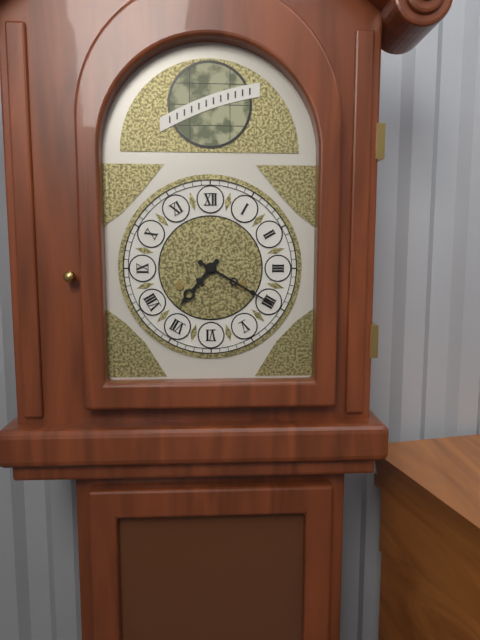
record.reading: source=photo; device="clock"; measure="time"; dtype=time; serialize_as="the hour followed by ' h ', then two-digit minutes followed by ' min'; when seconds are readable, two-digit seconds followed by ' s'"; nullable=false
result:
7 h 20 min
